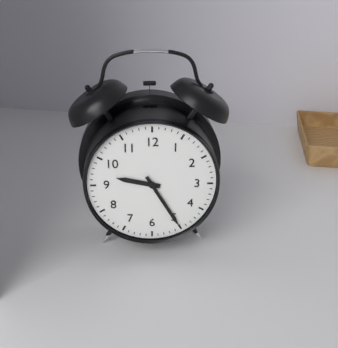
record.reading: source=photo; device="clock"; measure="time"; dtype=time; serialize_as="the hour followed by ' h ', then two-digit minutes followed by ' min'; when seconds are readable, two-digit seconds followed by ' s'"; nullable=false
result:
9 h 25 min
